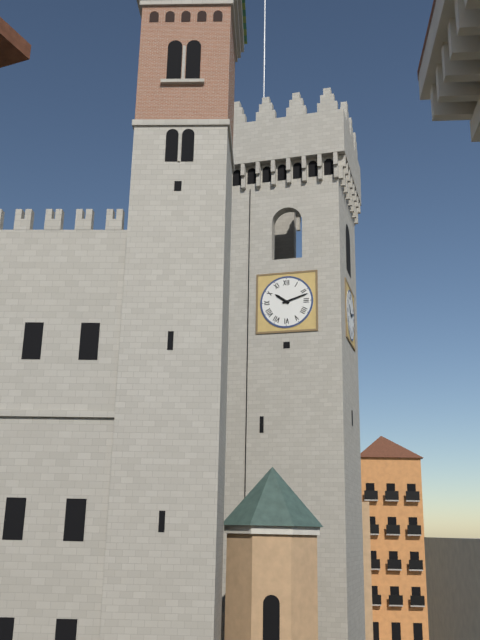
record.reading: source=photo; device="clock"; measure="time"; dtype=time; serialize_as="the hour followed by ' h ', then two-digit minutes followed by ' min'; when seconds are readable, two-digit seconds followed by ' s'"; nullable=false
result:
10 h 12 min
